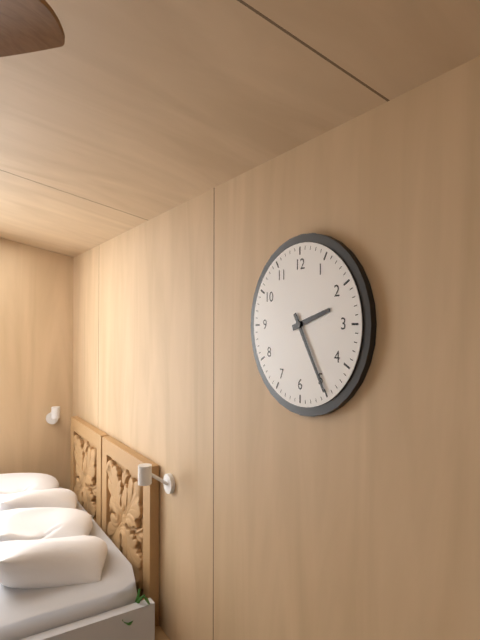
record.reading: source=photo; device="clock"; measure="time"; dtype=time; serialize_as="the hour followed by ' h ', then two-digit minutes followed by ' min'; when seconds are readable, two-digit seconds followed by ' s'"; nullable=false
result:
2 h 25 min
